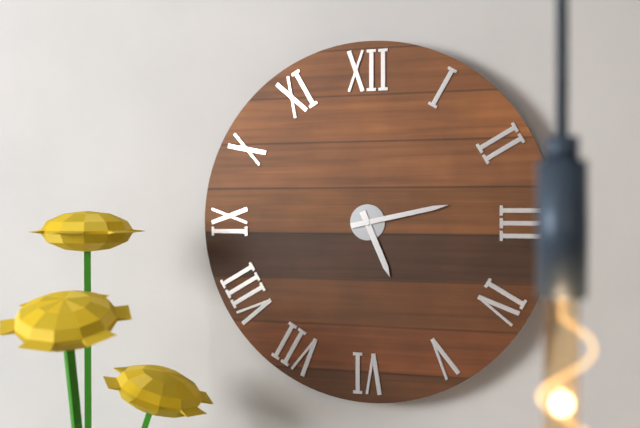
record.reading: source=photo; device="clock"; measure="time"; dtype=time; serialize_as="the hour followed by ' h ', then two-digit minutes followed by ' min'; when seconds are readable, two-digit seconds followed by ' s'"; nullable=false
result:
5 h 13 min
